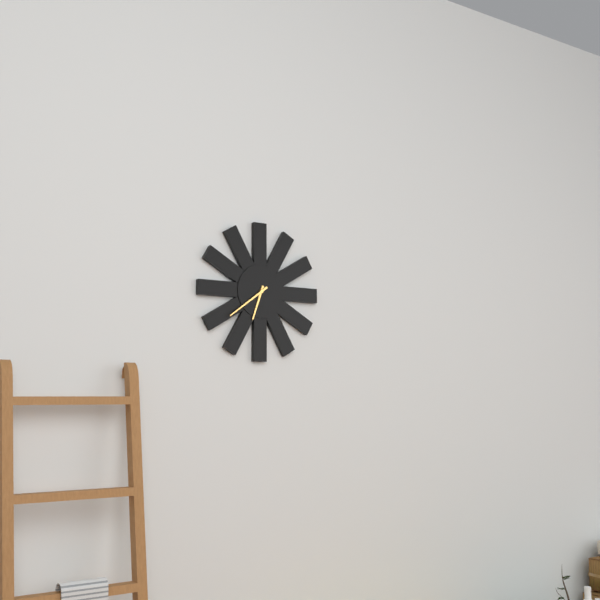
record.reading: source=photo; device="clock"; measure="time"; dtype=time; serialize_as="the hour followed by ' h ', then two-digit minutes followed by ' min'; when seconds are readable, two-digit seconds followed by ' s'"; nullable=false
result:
6 h 39 min
